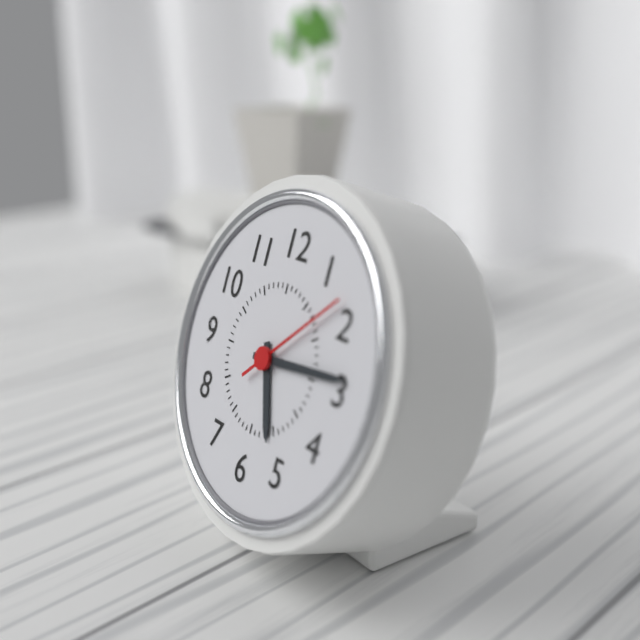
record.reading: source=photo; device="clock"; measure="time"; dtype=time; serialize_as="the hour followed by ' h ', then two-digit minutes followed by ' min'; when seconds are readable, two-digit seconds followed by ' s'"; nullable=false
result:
5 h 14 min 08 s
